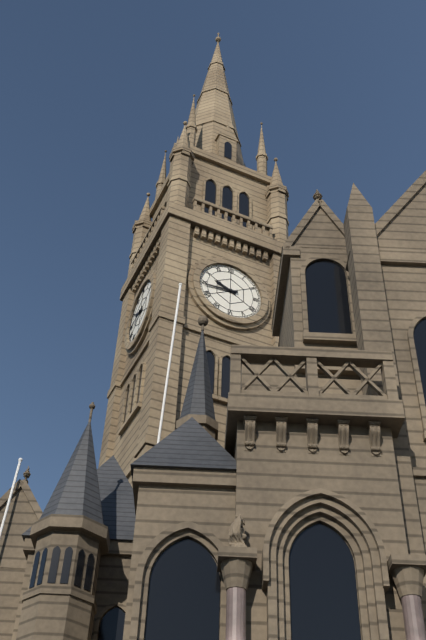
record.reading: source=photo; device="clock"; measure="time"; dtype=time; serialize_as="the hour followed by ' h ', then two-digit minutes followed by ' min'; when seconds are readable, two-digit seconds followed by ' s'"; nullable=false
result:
9 h 44 min
